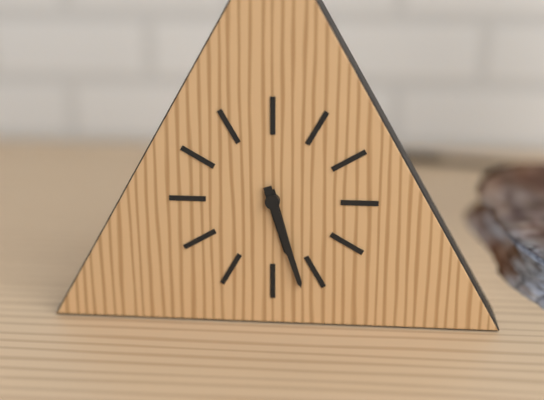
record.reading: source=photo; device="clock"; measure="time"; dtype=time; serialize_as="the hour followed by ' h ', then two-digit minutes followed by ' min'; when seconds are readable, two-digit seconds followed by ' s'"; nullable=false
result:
5 h 27 min
